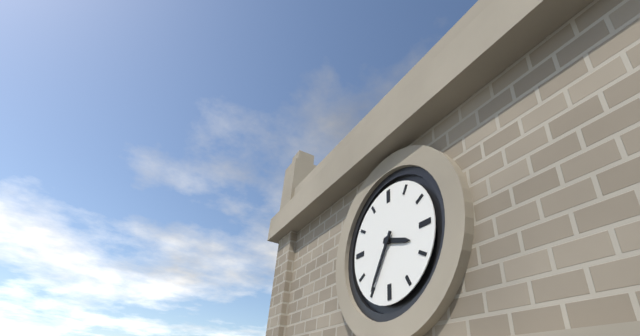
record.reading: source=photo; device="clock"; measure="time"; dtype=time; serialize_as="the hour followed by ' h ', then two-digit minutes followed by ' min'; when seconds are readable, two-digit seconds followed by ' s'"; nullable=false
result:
3 h 35 min
